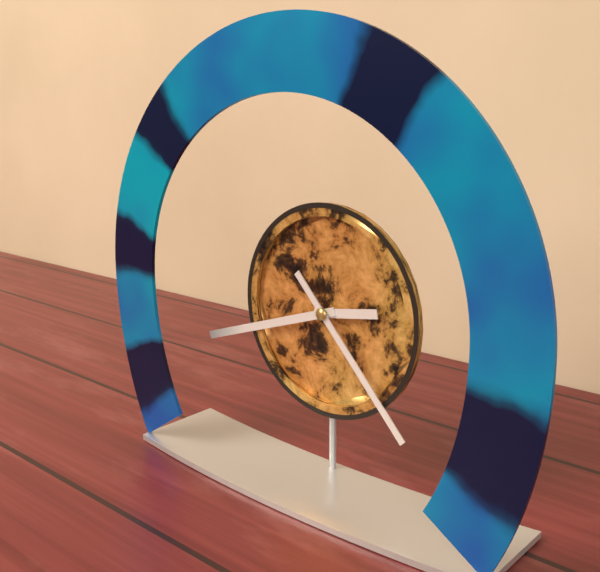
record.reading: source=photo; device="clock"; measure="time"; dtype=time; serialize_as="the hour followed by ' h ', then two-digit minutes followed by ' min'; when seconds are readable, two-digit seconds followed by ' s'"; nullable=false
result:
2 h 42 min 23 s
